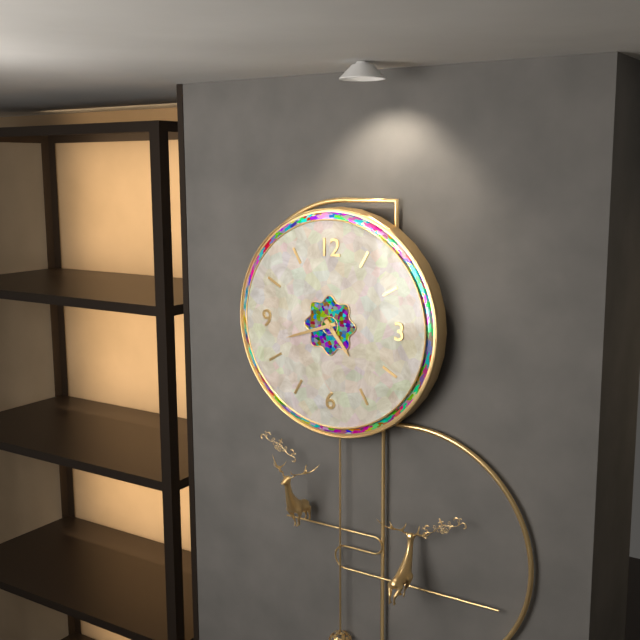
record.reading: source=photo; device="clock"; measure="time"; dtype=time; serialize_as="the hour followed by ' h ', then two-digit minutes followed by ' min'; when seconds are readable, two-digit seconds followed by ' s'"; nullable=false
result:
4 h 42 min
